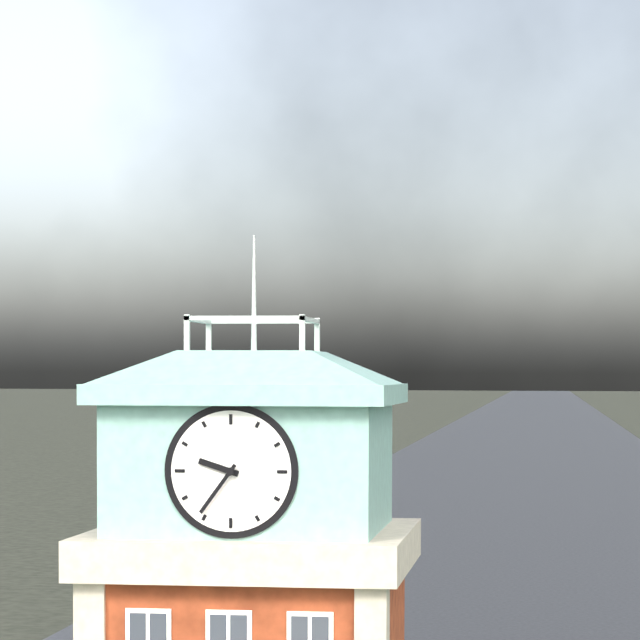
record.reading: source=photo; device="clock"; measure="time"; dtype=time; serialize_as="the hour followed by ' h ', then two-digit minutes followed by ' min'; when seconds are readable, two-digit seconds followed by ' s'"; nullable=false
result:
9 h 36 min
